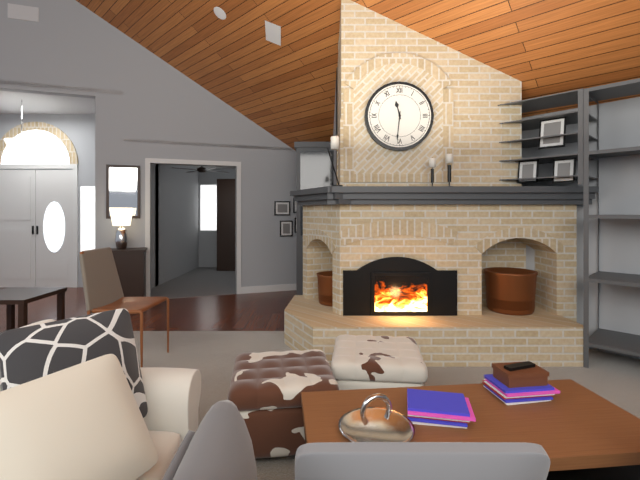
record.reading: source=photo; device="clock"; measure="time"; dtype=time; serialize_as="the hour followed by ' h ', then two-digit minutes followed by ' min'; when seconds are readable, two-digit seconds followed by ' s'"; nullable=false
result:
11 h 31 min
